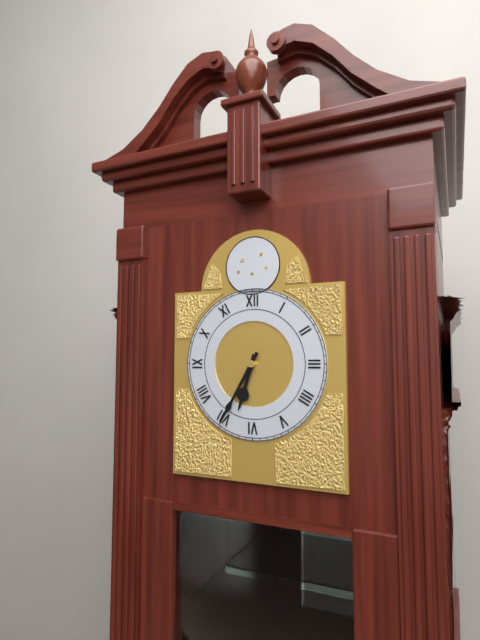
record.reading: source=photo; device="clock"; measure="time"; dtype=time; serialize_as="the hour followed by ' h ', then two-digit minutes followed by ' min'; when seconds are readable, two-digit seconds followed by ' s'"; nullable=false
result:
6 h 35 min
